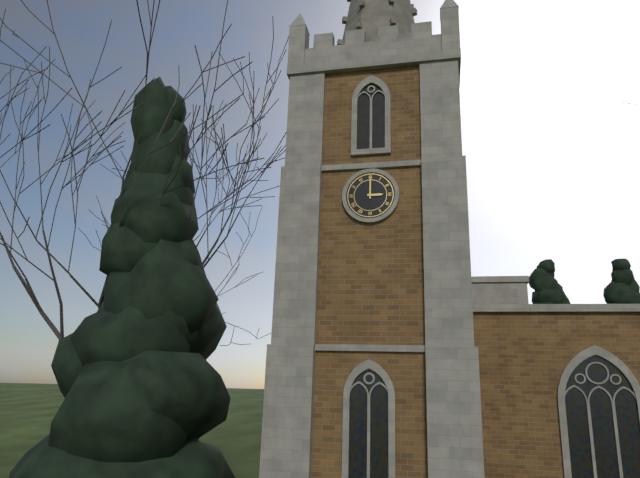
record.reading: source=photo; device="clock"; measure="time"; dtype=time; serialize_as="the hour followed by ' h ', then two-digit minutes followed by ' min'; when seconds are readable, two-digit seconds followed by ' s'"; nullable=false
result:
3 h 00 min
